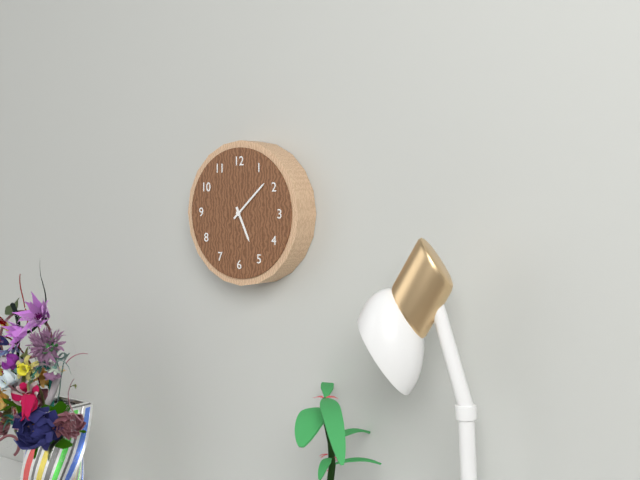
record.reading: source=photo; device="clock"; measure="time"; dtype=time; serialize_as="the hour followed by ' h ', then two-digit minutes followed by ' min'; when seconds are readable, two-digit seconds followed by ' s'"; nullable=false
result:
5 h 08 min
